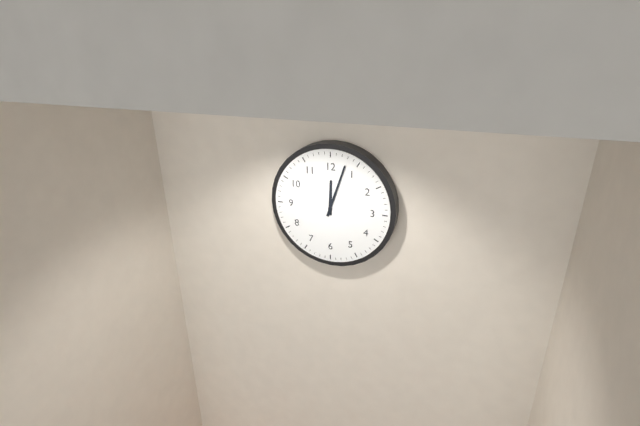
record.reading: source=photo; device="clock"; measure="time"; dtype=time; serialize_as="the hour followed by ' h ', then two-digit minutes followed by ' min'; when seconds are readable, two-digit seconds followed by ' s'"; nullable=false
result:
12 h 03 min
